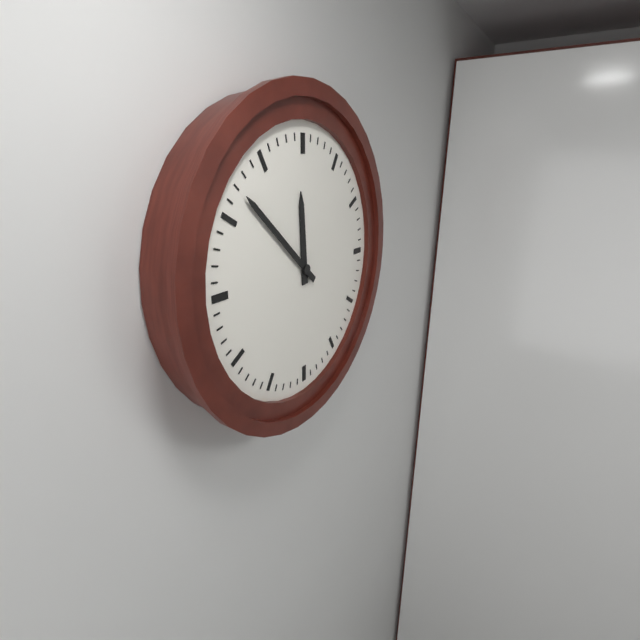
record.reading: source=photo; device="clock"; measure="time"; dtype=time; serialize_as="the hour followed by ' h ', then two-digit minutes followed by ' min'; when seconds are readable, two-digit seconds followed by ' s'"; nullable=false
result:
11 h 52 min
